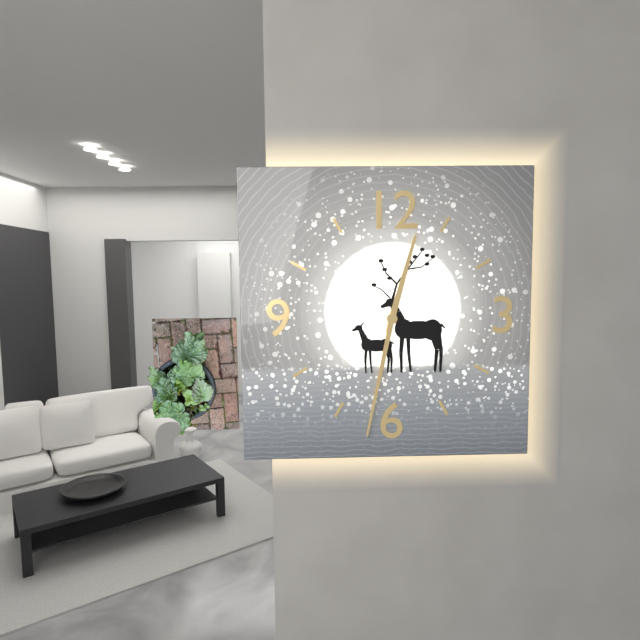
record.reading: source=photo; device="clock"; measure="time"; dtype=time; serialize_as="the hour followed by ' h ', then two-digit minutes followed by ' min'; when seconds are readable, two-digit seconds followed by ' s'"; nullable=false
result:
12 h 32 min
